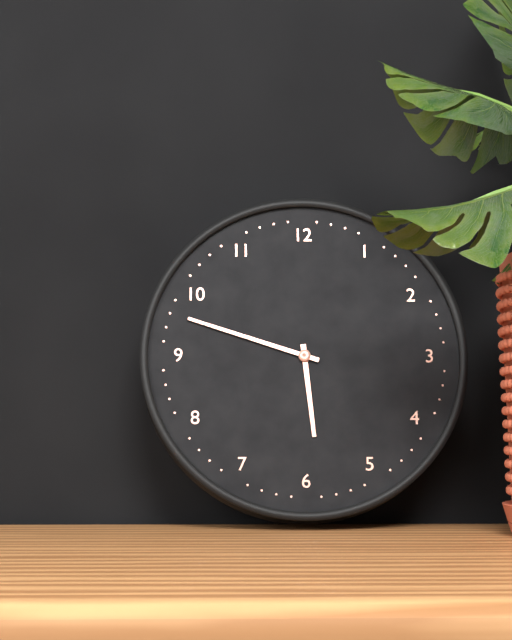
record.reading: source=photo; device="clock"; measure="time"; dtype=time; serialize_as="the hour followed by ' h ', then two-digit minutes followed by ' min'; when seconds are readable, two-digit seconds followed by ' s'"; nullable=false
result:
5 h 48 min
